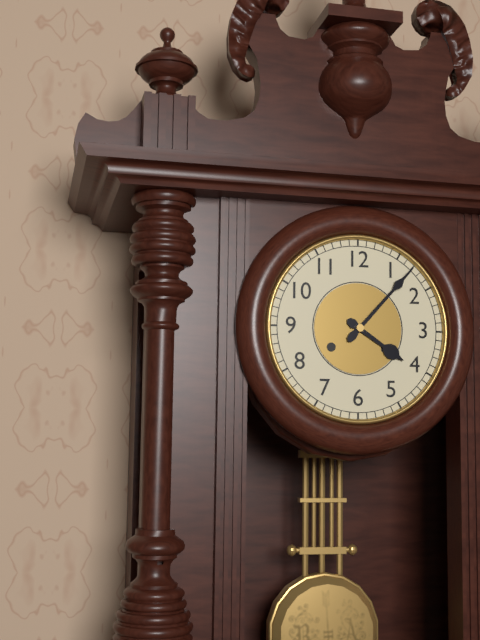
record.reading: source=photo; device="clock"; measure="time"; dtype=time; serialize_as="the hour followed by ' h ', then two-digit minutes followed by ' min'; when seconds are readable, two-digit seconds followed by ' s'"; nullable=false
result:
4 h 07 min
